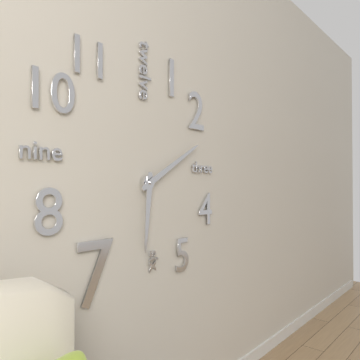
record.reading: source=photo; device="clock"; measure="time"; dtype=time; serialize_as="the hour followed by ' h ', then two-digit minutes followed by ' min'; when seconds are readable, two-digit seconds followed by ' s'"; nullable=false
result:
6 h 10 min
